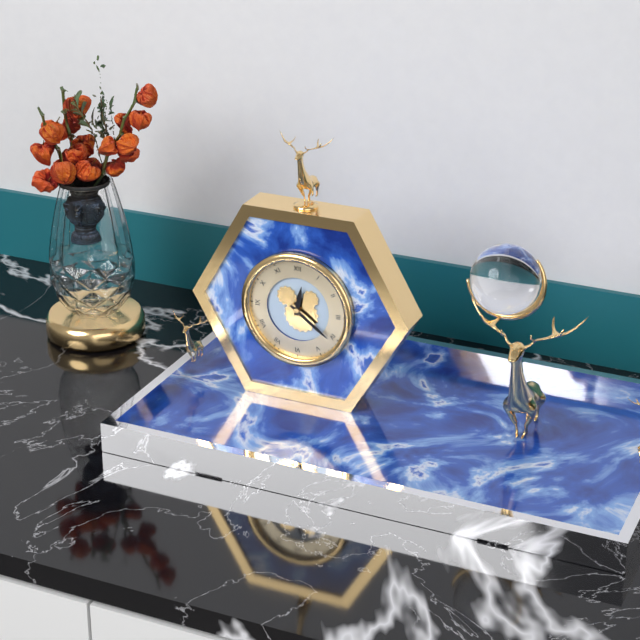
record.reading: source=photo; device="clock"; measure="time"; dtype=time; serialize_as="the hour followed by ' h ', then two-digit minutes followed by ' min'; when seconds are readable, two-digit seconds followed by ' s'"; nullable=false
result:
12 h 21 min
